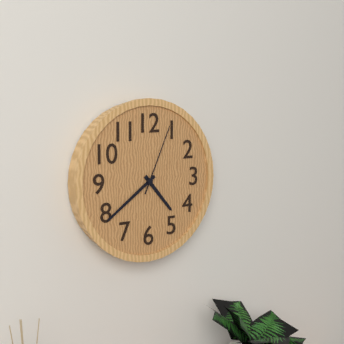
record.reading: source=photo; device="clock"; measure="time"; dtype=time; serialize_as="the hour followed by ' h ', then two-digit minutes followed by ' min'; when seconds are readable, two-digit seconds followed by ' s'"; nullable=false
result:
4 h 39 min 04 s
